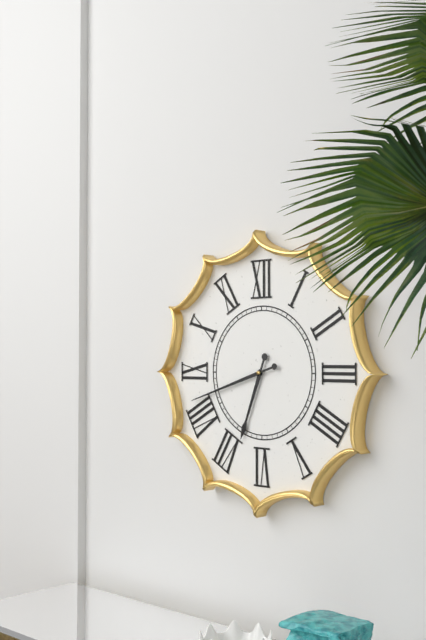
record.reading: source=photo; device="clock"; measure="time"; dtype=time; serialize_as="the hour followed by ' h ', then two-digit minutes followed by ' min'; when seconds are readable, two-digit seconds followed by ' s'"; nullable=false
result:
6 h 42 min
